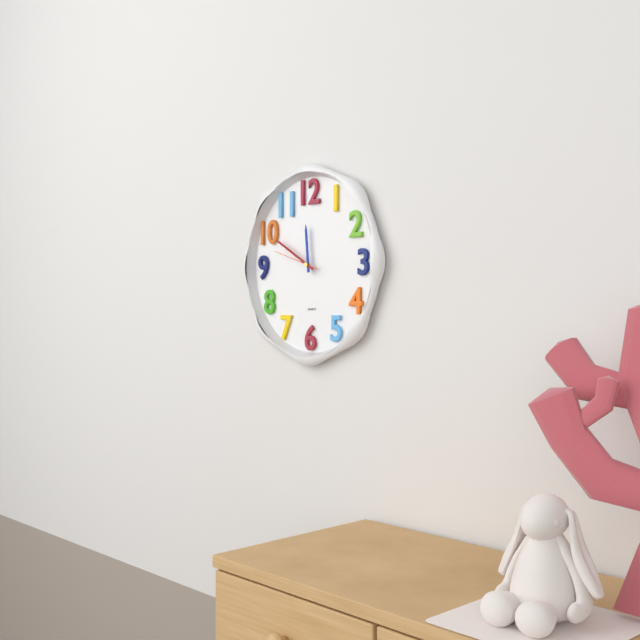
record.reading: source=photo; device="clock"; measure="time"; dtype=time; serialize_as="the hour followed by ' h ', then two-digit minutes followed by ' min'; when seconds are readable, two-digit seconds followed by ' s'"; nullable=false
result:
11 h 50 min
